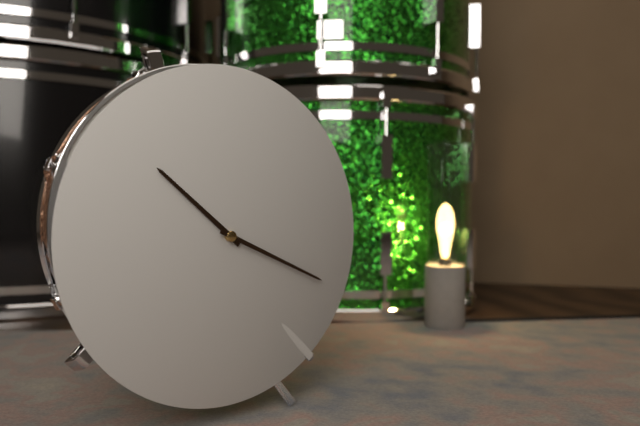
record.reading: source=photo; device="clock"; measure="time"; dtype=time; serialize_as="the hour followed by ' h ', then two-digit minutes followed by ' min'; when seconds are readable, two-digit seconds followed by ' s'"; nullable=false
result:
10 h 19 min
